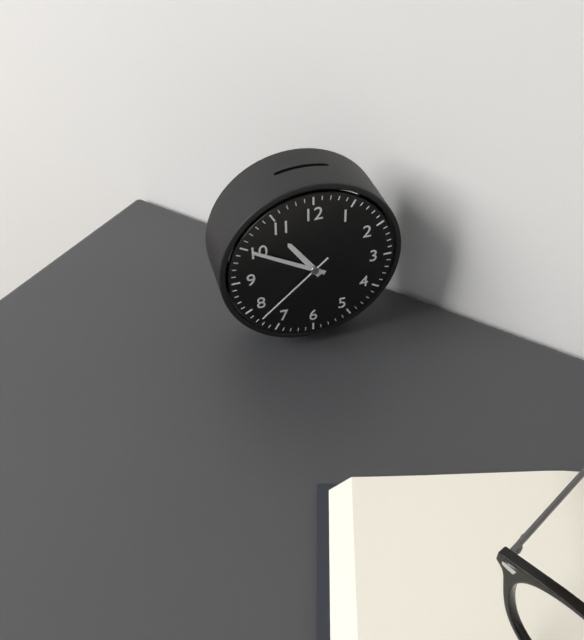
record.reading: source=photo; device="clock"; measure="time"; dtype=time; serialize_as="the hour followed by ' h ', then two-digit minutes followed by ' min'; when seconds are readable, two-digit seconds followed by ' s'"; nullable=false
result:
10 h 50 min 38 s
